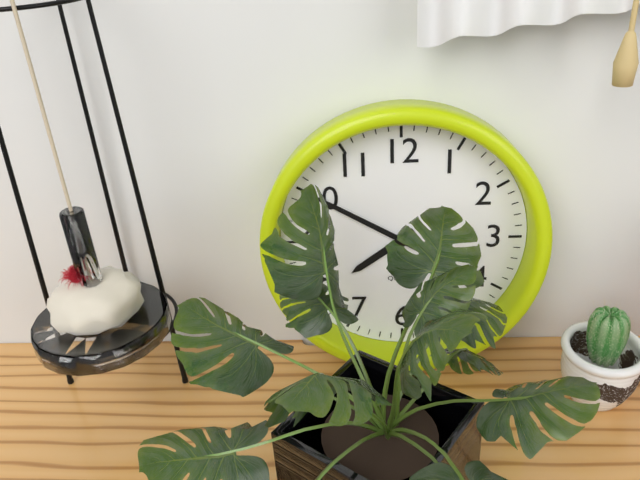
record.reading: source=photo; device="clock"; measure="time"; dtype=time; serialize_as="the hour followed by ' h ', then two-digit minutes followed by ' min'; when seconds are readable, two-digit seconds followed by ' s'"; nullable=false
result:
7 h 50 min
